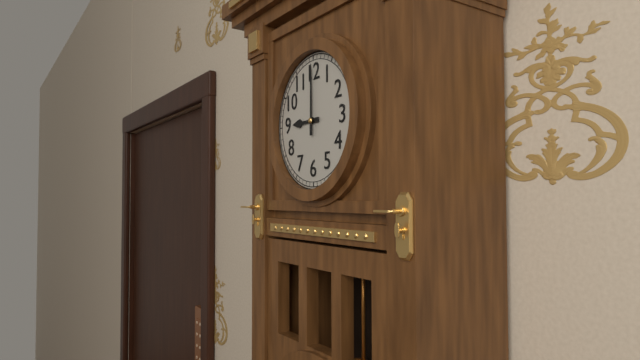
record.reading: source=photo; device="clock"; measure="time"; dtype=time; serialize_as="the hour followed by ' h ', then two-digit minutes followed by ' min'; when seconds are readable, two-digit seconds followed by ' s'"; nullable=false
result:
9 h 00 min
